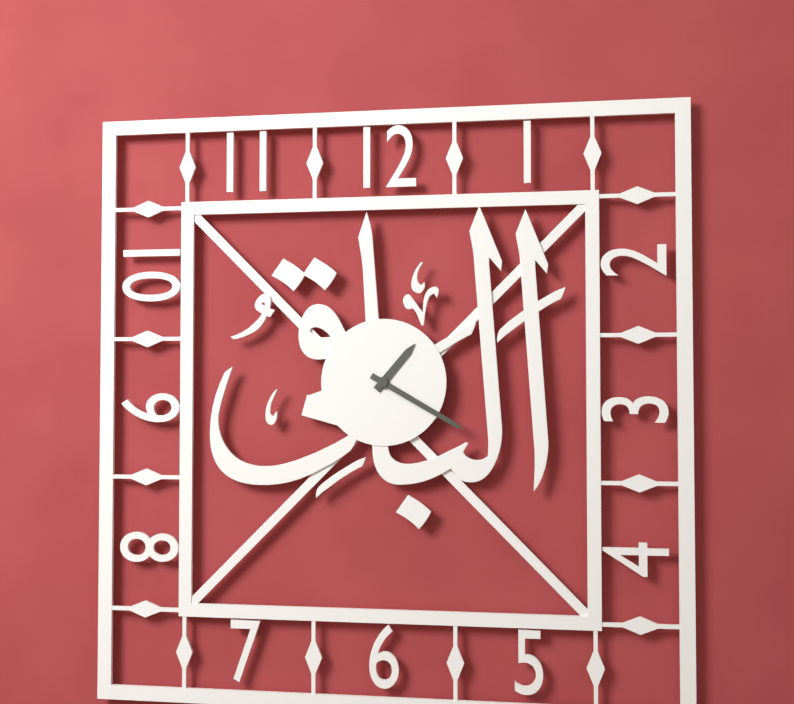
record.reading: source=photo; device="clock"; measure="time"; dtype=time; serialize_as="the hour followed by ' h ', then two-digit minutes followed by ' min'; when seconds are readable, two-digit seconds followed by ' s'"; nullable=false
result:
1 h 20 min
